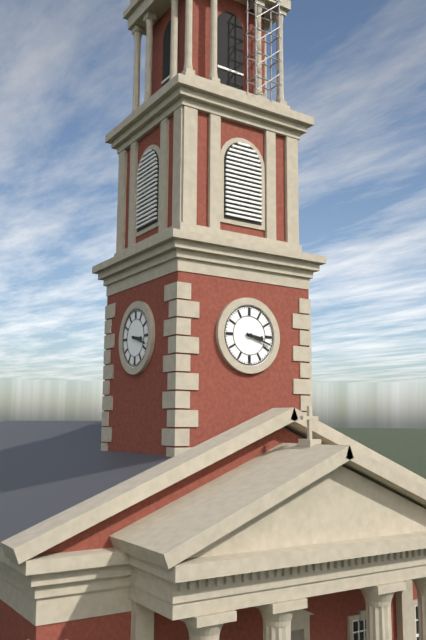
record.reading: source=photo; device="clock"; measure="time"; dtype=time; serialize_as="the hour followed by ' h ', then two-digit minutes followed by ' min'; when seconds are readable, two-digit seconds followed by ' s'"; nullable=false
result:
3 h 18 min
